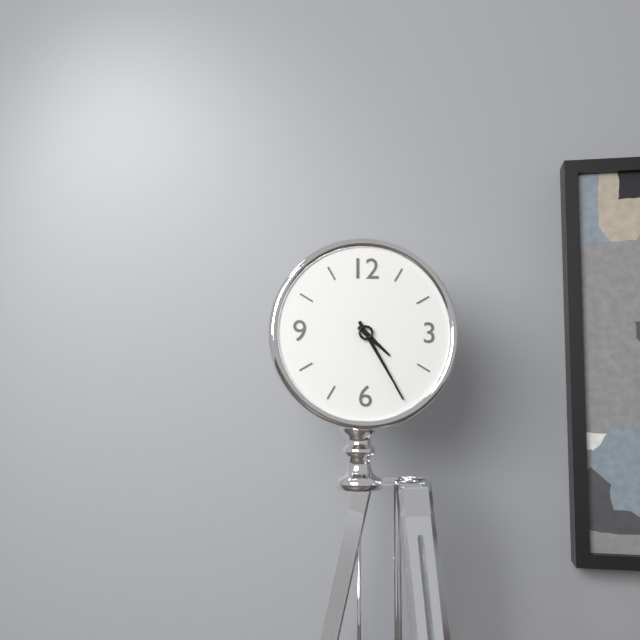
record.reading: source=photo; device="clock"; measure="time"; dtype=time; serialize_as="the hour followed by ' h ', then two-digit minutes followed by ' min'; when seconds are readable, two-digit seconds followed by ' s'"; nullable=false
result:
4 h 25 min
